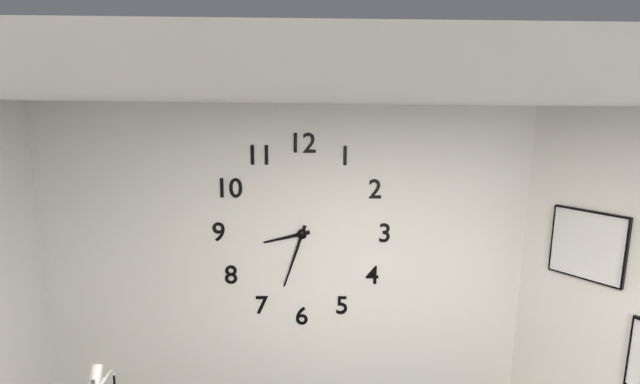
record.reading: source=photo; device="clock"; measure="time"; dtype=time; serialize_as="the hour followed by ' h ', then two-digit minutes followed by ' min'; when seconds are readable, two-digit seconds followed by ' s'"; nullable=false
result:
8 h 33 min
